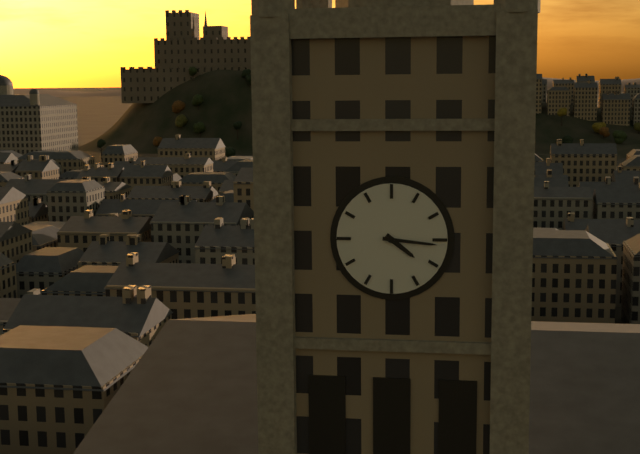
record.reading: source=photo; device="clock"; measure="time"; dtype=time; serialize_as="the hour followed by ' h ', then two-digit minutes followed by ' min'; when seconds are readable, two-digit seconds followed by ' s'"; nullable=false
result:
4 h 16 min
